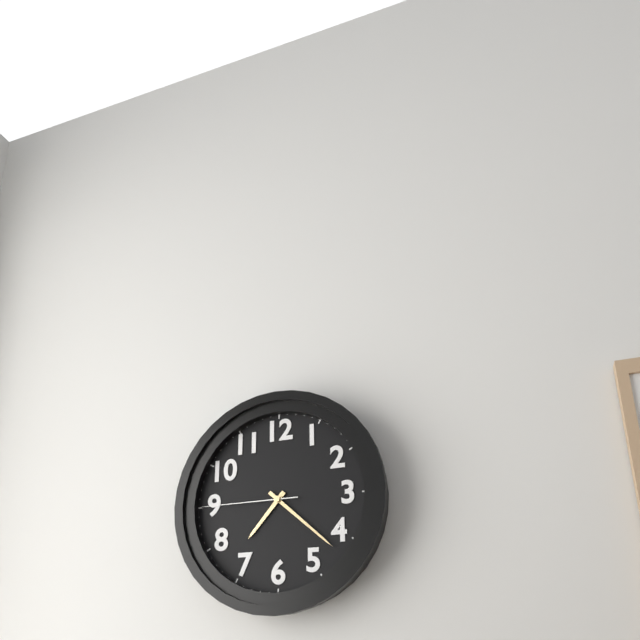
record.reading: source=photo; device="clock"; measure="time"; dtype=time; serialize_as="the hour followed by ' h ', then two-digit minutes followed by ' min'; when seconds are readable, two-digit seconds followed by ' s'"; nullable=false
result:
7 h 22 min 45 s
